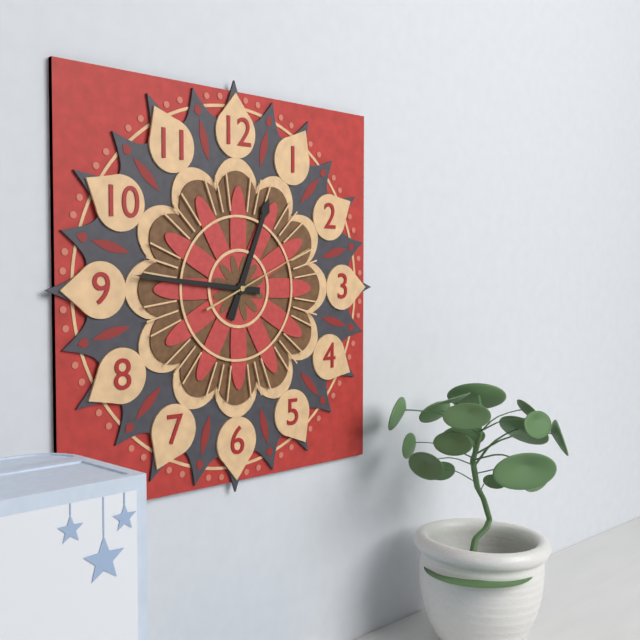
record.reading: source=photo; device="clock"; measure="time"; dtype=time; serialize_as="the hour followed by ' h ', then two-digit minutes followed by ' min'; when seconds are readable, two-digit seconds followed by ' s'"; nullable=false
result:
12 h 46 min 11 s
